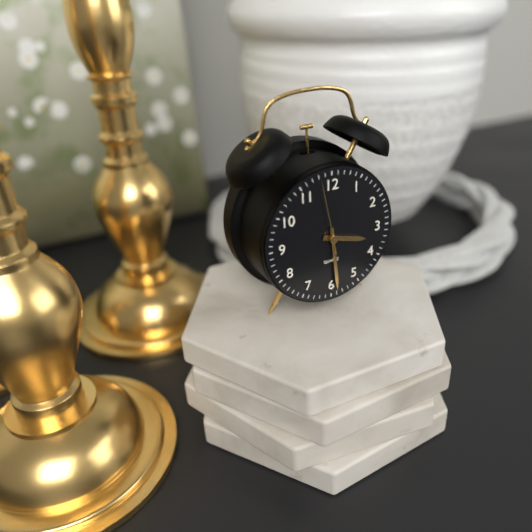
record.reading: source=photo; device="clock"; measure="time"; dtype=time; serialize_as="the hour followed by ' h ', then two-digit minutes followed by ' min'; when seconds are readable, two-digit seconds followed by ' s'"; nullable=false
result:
3 h 29 min 58 s
